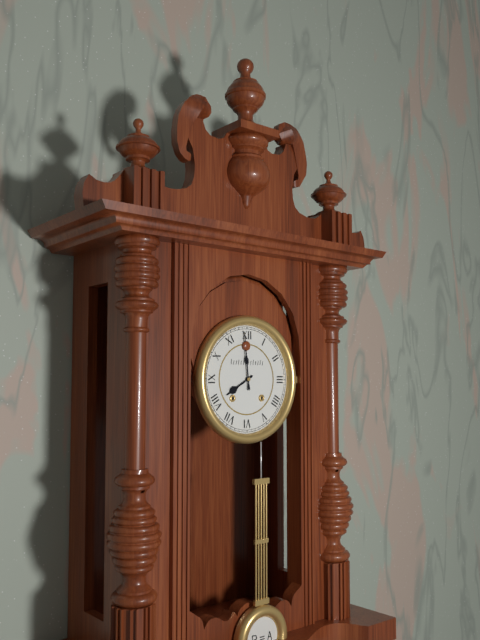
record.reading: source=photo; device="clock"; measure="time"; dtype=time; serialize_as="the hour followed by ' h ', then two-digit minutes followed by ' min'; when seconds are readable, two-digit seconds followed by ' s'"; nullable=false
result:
7 h 59 min
